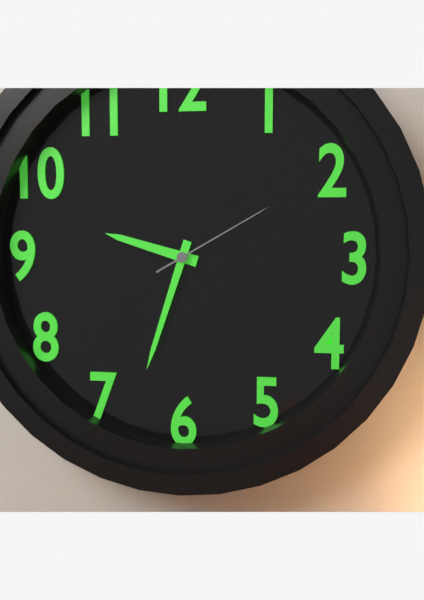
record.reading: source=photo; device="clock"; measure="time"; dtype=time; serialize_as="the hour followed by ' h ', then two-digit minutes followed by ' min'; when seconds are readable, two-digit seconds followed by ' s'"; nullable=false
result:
9 h 33 min 10 s
